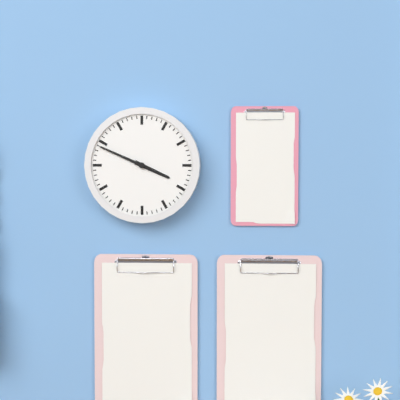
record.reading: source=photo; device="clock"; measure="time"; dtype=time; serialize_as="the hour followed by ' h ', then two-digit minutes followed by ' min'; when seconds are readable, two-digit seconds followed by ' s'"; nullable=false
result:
3 h 49 min
